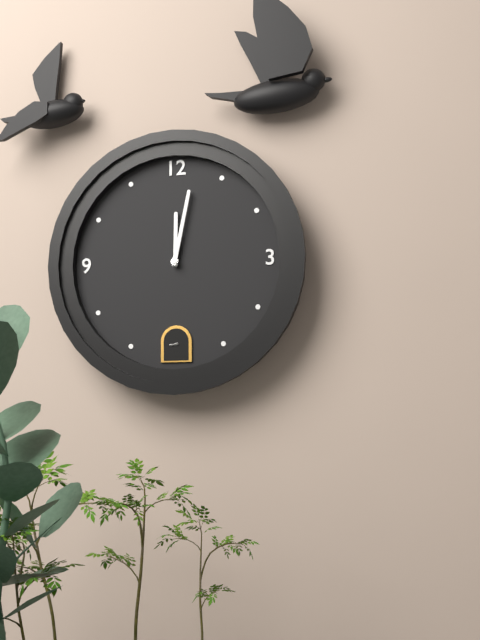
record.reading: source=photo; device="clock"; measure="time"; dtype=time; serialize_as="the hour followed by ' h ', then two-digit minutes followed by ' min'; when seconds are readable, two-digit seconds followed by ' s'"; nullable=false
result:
12 h 02 min
